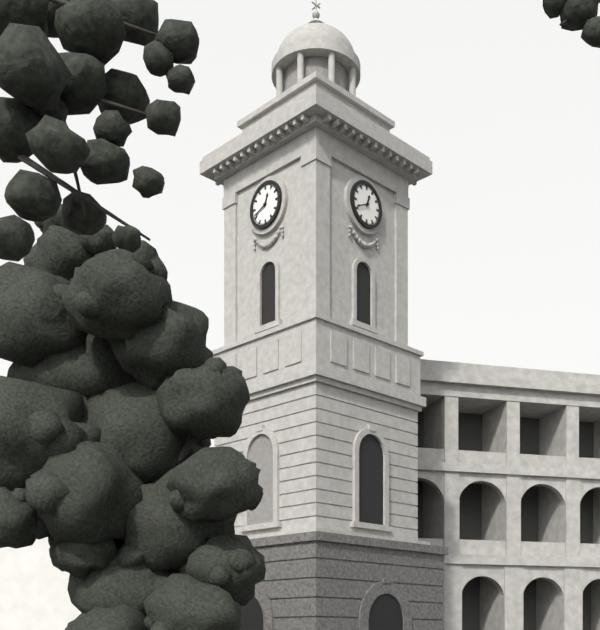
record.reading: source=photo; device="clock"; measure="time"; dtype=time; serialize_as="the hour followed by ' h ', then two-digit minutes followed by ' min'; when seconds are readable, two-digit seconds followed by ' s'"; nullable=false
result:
12 h 41 min
